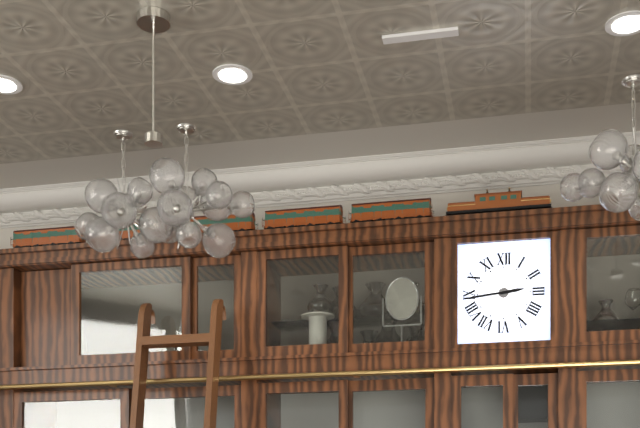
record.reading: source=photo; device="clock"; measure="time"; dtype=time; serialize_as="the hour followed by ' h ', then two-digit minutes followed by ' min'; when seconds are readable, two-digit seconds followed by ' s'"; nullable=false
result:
2 h 44 min
